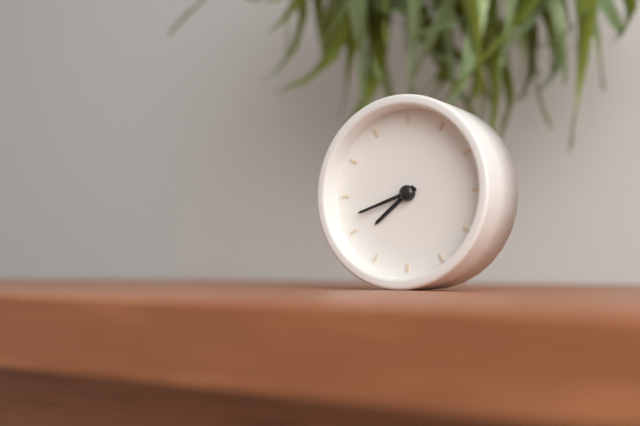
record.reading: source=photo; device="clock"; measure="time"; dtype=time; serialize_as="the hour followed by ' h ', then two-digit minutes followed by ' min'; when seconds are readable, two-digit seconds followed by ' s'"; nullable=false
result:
7 h 42 min
